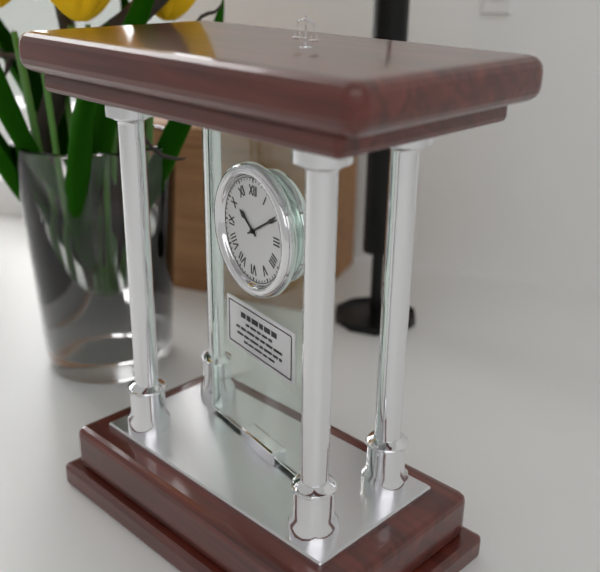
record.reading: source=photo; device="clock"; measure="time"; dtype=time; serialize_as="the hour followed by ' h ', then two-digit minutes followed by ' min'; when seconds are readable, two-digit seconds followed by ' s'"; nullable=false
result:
10 h 10 min
